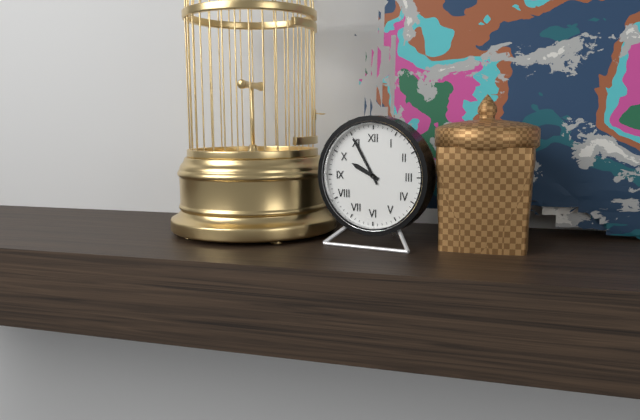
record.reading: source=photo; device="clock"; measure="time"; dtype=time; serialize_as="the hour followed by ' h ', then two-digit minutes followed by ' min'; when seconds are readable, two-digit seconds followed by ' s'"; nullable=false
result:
9 h 55 min
